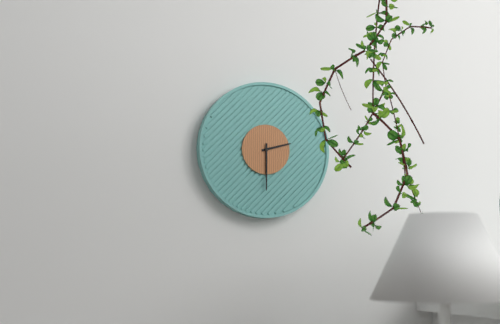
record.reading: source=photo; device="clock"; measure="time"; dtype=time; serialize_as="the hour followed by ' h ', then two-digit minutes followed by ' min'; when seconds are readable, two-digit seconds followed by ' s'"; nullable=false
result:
2 h 30 min
